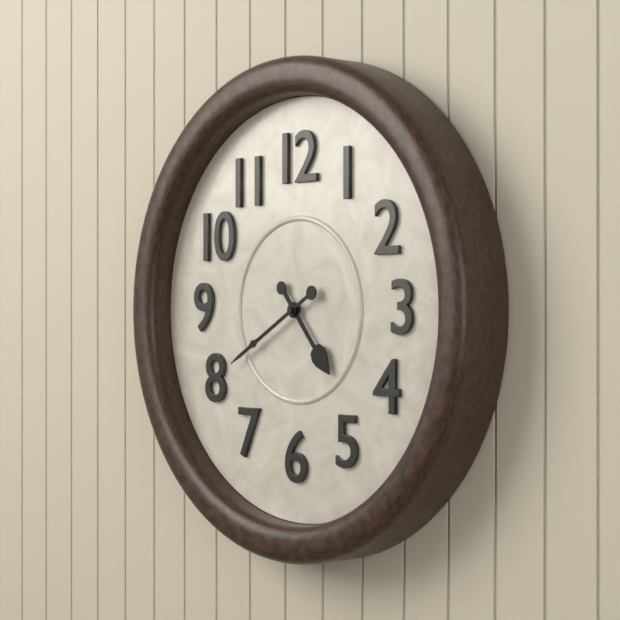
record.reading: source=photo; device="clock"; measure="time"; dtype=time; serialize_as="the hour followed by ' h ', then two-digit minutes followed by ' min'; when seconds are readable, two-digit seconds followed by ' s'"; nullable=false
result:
4 h 40 min
